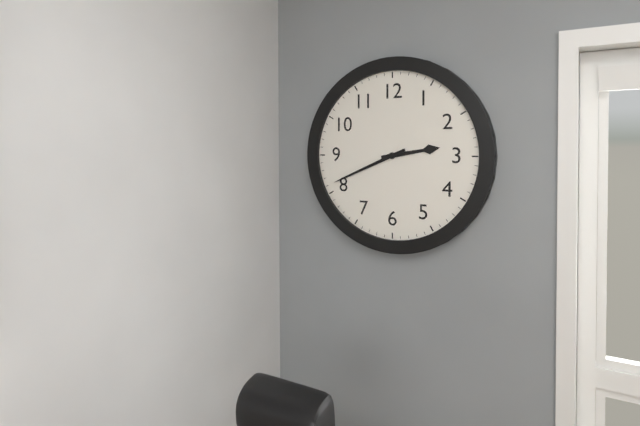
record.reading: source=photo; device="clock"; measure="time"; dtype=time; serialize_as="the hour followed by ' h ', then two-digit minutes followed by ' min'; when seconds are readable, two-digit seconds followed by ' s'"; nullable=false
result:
2 h 41 min
